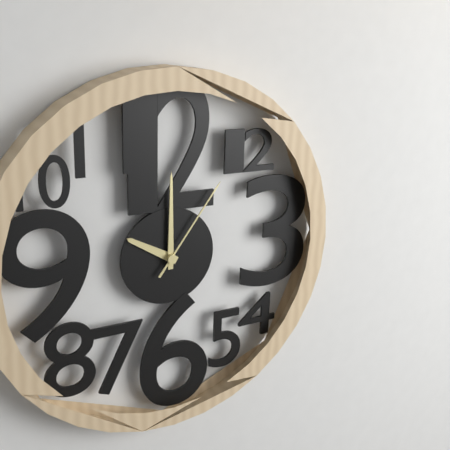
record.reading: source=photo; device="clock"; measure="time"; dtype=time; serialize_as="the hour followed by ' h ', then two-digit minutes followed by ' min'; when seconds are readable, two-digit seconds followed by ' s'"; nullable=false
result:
10 h 00 min 06 s
